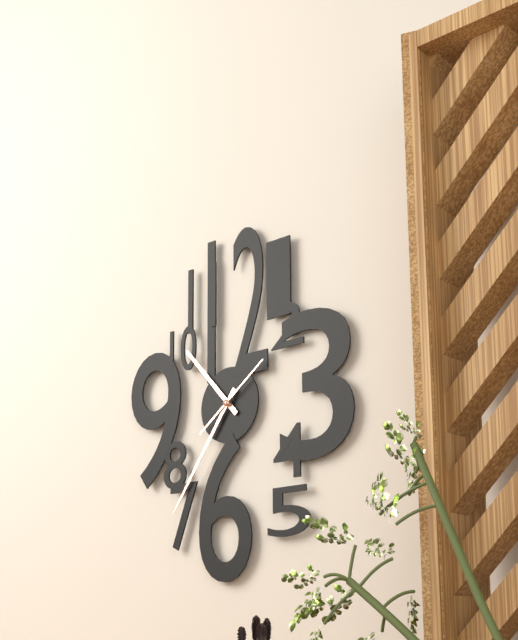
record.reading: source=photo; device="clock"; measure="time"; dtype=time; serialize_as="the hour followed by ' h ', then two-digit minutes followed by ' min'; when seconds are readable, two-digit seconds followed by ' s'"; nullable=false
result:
10 h 36 min 09 s
